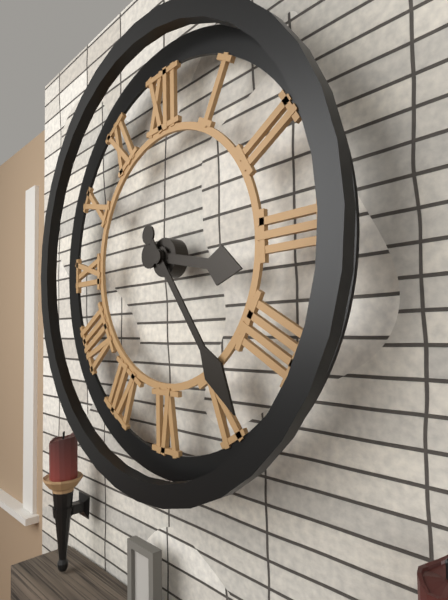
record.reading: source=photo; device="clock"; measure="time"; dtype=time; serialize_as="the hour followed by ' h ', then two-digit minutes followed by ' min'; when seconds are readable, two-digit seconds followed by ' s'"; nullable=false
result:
3 h 24 min
